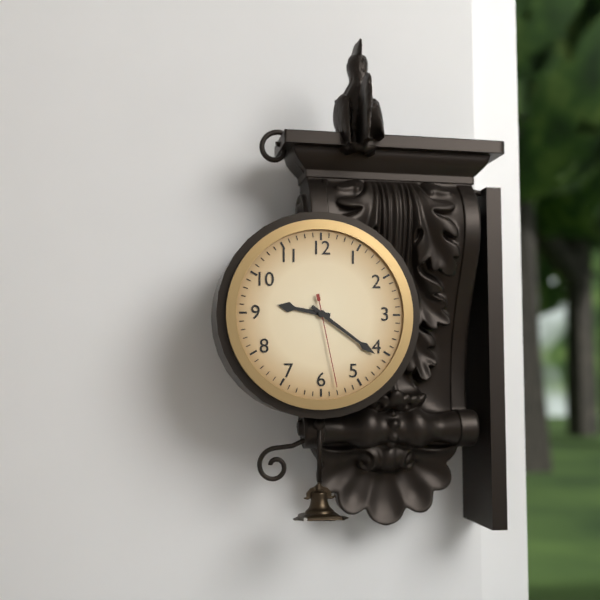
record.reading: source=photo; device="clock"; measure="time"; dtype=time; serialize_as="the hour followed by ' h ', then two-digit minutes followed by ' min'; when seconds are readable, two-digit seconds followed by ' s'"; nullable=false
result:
9 h 21 min 28 s
